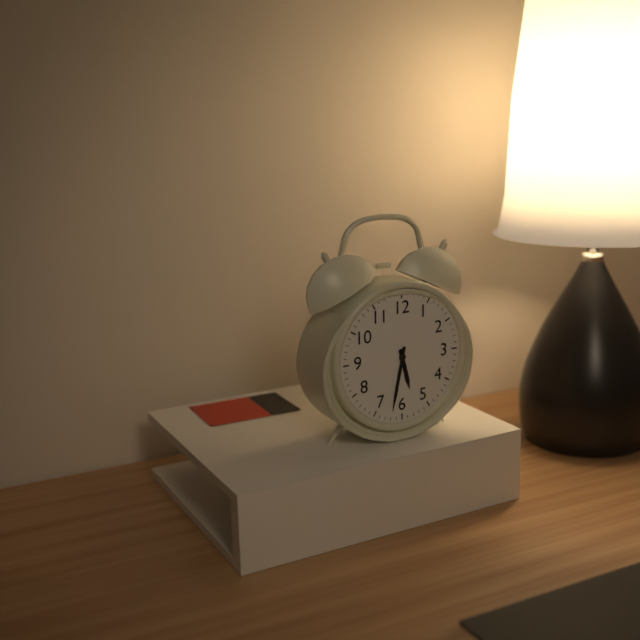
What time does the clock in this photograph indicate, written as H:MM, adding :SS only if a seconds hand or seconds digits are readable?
5:32
